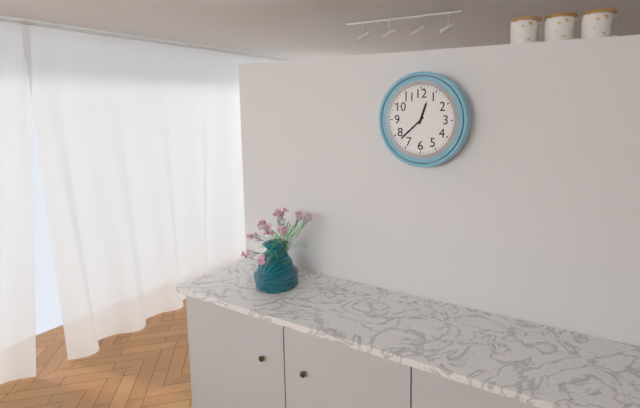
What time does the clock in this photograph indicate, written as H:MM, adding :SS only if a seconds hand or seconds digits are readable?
12:38
